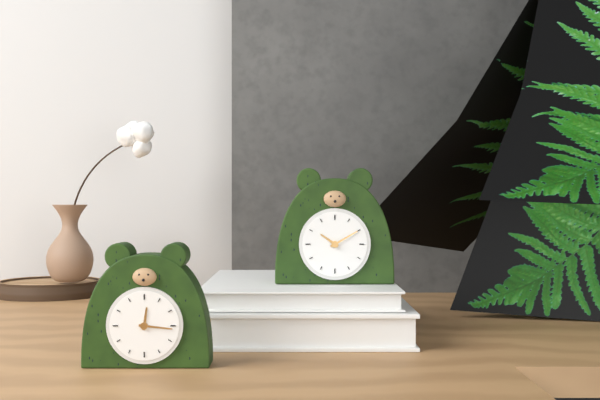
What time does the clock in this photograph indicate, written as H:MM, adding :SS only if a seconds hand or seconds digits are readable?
12:16
